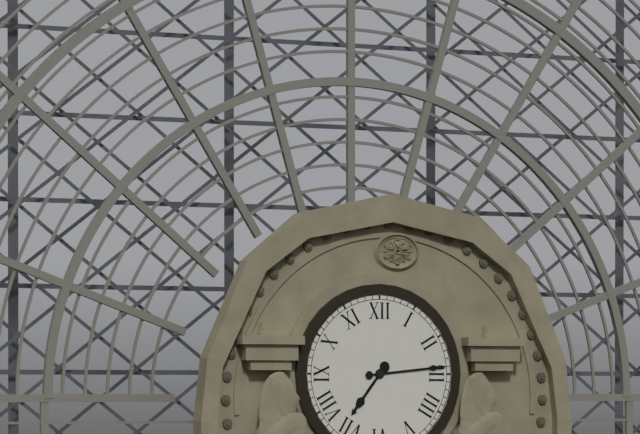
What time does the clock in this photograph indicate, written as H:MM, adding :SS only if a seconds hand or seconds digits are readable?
7:14
